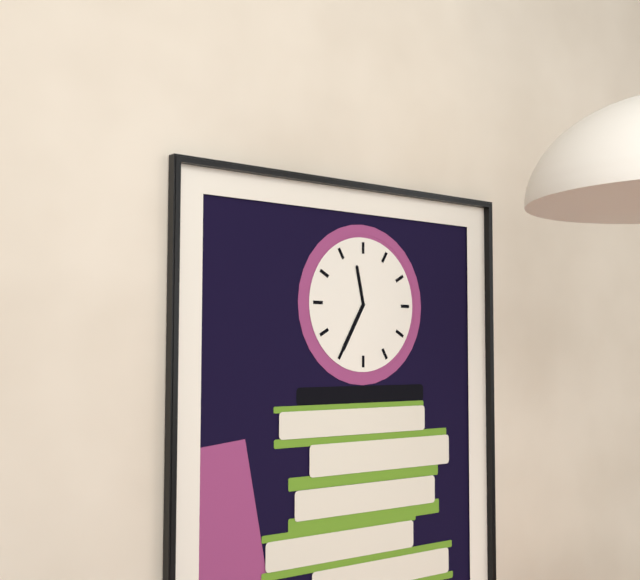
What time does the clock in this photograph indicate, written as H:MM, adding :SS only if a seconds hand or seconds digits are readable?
11:35
